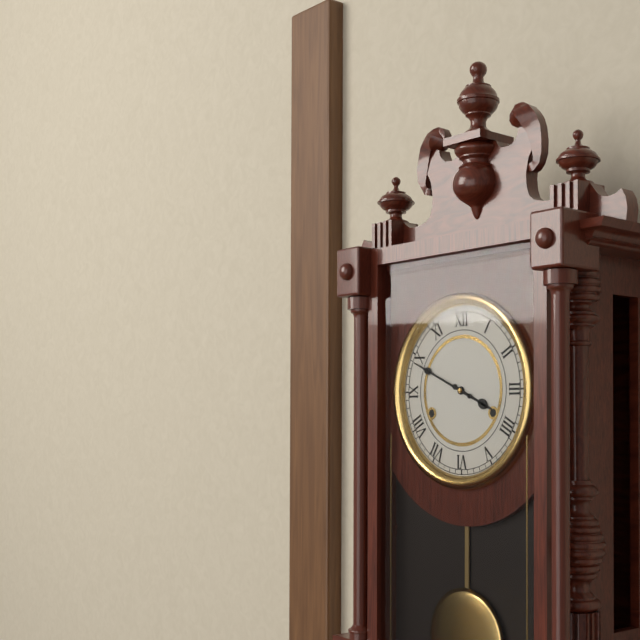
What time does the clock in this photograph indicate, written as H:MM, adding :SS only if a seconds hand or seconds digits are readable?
3:49
